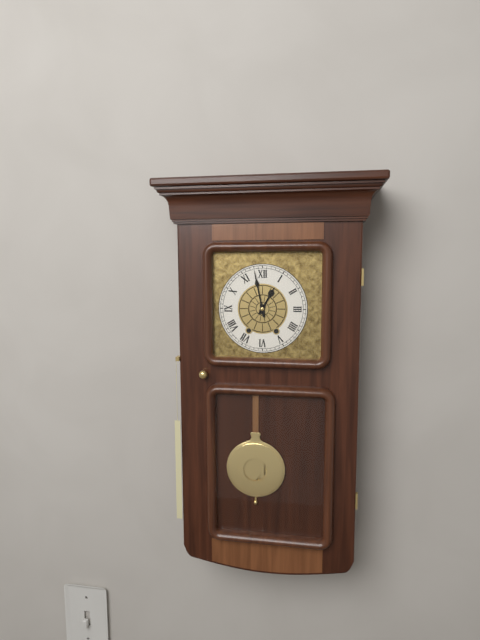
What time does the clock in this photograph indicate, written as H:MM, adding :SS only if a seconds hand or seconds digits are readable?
12:58
